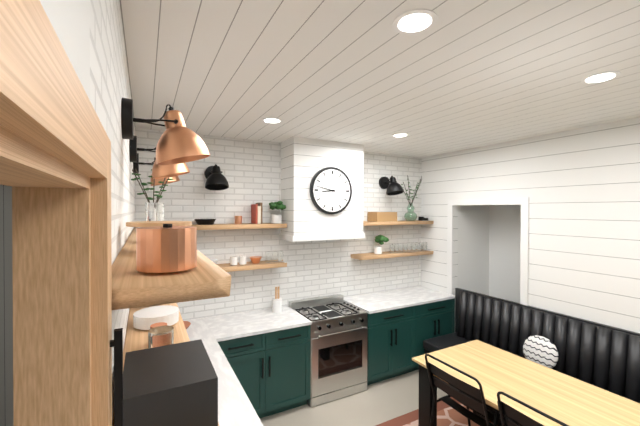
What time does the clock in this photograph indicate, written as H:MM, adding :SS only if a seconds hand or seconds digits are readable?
8:47
